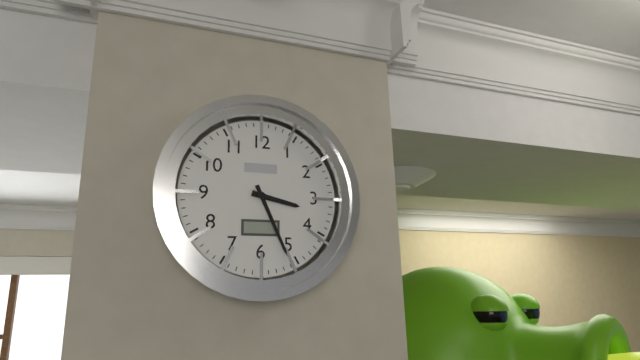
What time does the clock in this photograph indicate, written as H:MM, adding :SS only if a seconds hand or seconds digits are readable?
3:26
